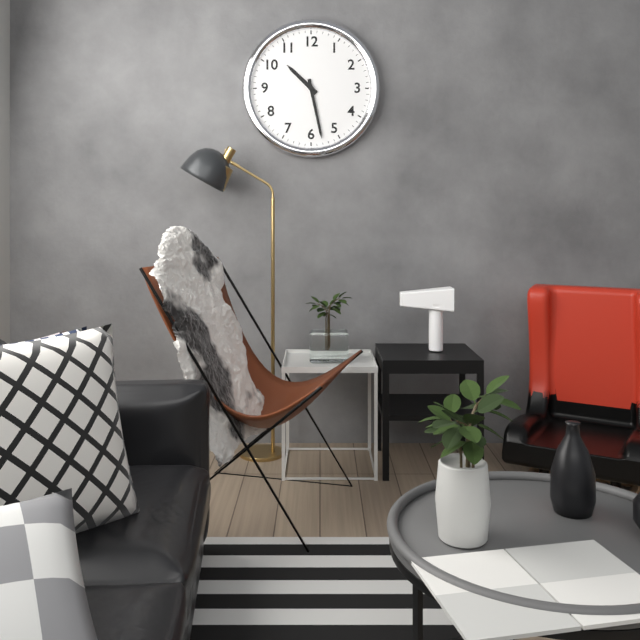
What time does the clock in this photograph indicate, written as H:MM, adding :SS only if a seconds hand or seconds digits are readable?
10:28
